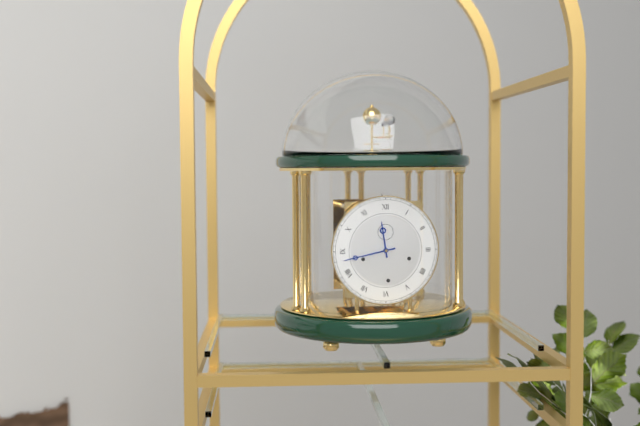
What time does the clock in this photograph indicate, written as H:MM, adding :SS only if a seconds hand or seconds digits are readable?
11:43
